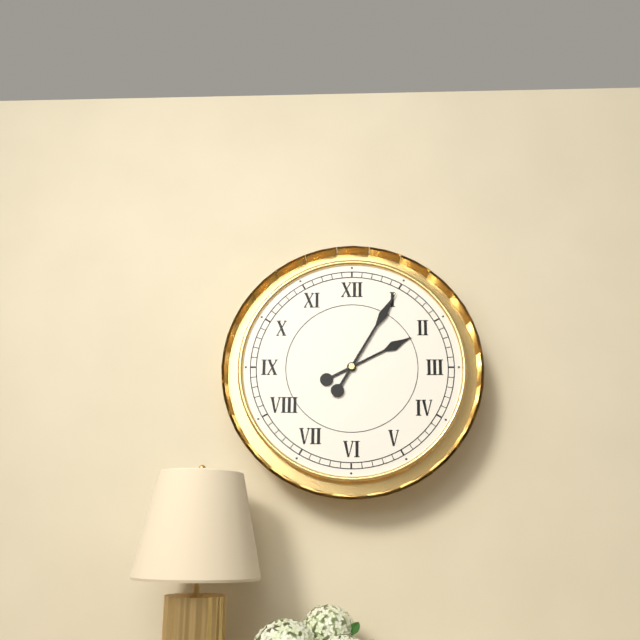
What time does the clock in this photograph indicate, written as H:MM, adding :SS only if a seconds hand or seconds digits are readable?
2:05
